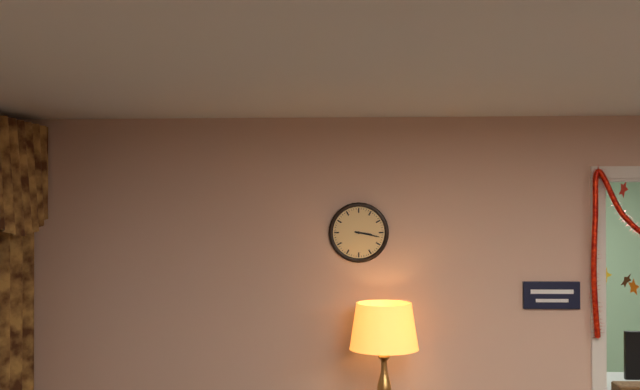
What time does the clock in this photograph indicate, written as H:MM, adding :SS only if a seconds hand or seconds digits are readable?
3:17
